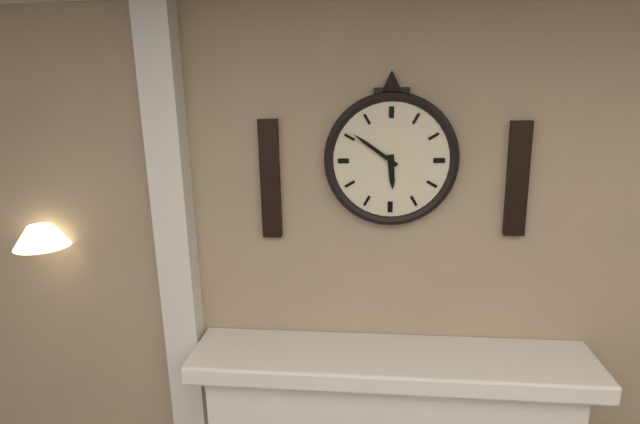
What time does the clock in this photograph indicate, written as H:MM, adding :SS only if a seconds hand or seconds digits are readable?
5:51
